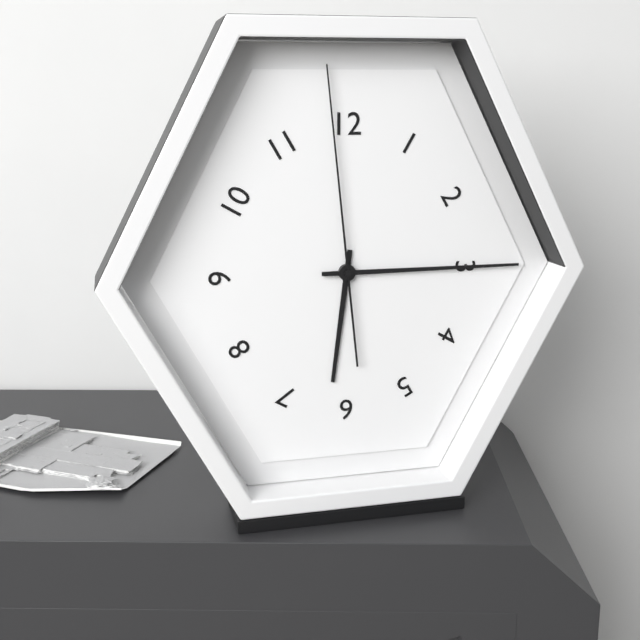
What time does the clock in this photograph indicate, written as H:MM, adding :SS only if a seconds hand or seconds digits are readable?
6:15:59
